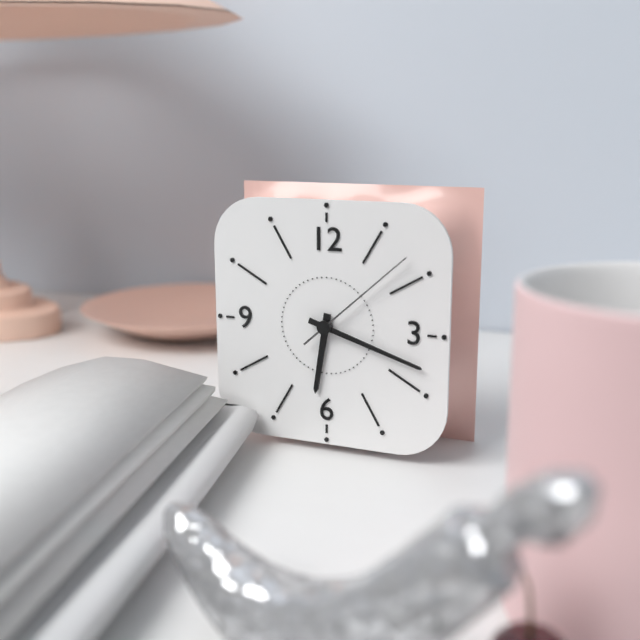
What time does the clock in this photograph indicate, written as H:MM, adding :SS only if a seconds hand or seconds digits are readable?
6:18:08
